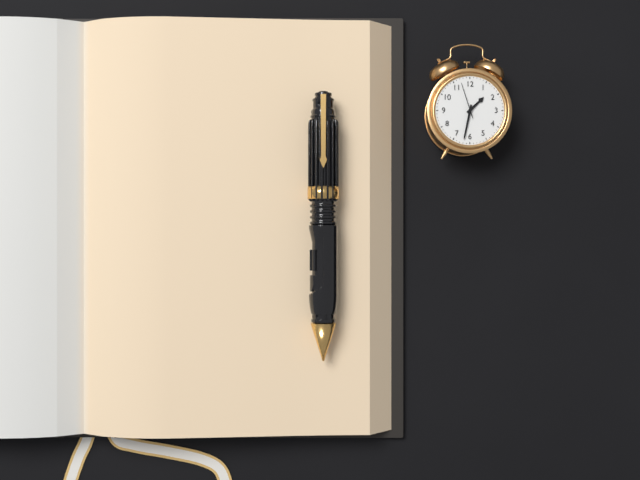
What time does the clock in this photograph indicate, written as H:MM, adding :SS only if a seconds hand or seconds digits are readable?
1:32
